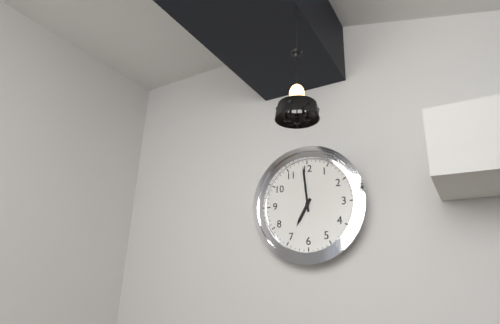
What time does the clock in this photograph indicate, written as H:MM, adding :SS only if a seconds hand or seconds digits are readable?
6:59
